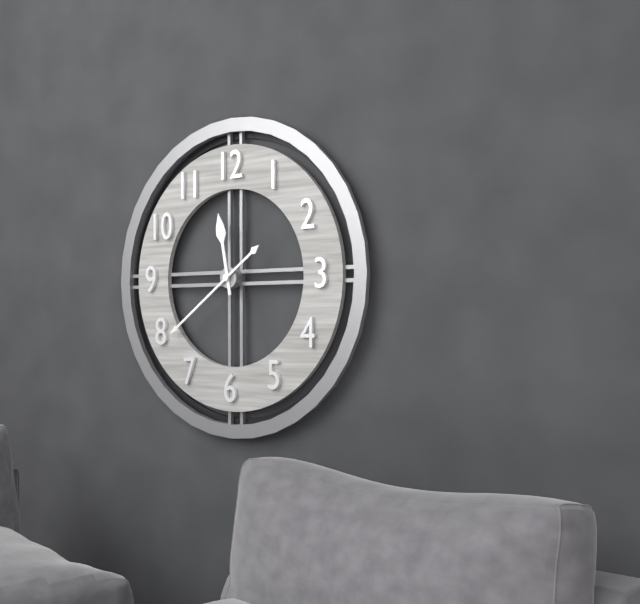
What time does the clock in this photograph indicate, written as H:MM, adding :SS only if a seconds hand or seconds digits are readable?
11:39
